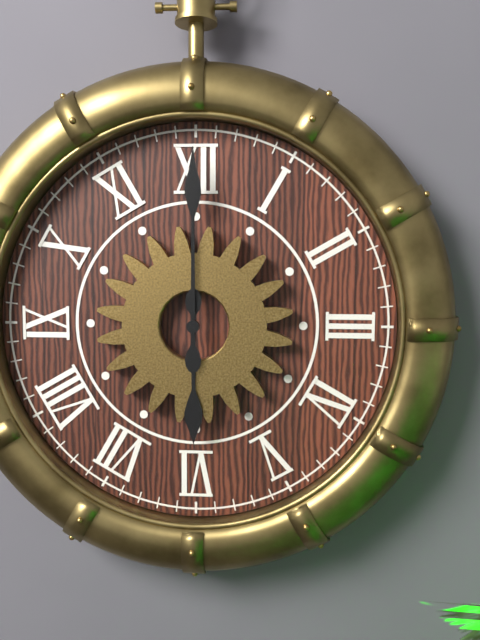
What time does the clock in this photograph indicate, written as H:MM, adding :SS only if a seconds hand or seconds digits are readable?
6:00
